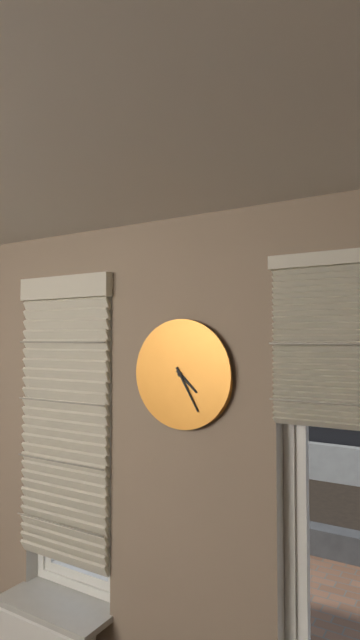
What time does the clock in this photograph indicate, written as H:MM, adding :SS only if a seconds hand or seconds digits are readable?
4:25
